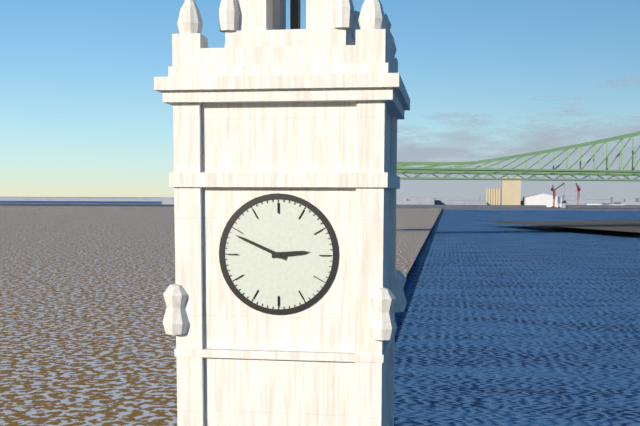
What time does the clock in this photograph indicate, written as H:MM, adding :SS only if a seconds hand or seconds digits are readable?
2:49
